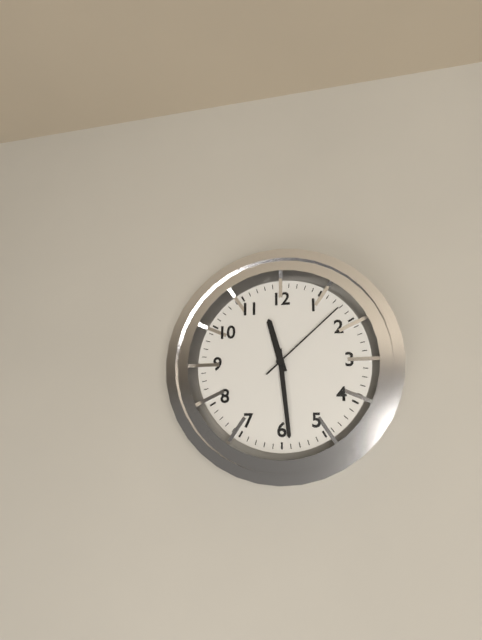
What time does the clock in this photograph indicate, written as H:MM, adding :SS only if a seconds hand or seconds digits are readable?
11:29:08
